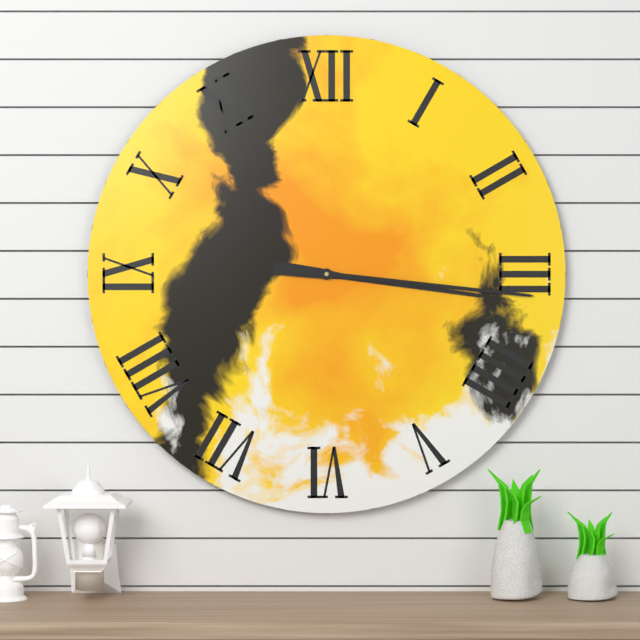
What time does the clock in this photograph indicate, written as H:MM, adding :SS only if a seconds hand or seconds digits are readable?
3:16
